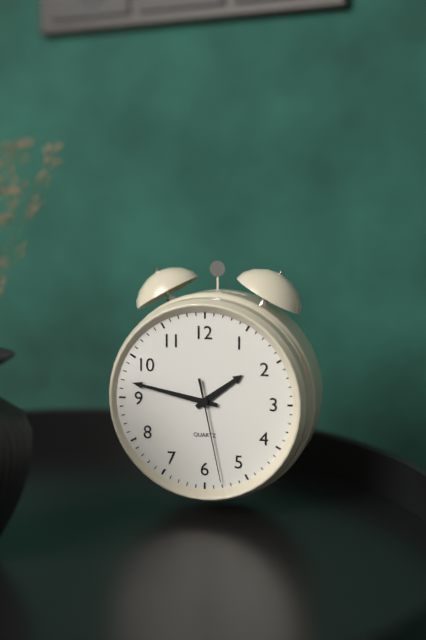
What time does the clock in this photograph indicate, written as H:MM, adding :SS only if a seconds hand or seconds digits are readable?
1:47:28
